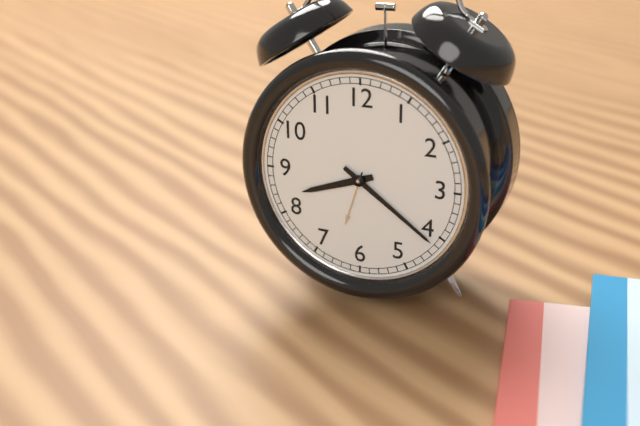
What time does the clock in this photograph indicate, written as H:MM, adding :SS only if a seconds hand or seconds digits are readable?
8:21
